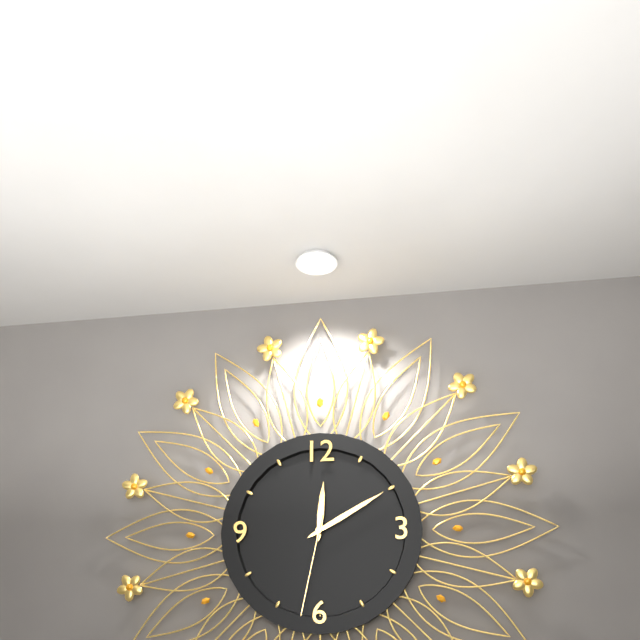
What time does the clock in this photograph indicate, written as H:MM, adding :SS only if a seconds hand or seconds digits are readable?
12:10:32
